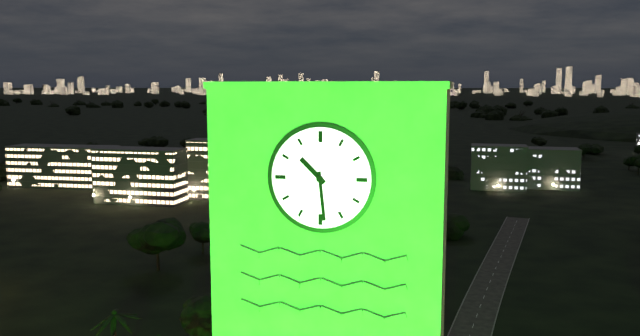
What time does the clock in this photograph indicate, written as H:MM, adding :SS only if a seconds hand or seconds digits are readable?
10:29
